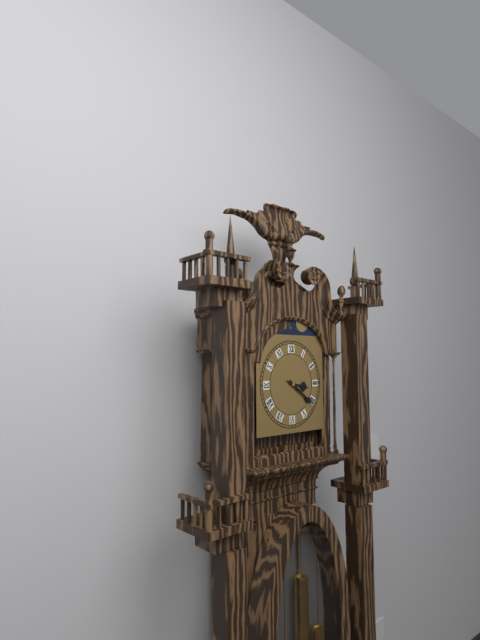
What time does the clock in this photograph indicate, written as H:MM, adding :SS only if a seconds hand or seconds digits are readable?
3:21
